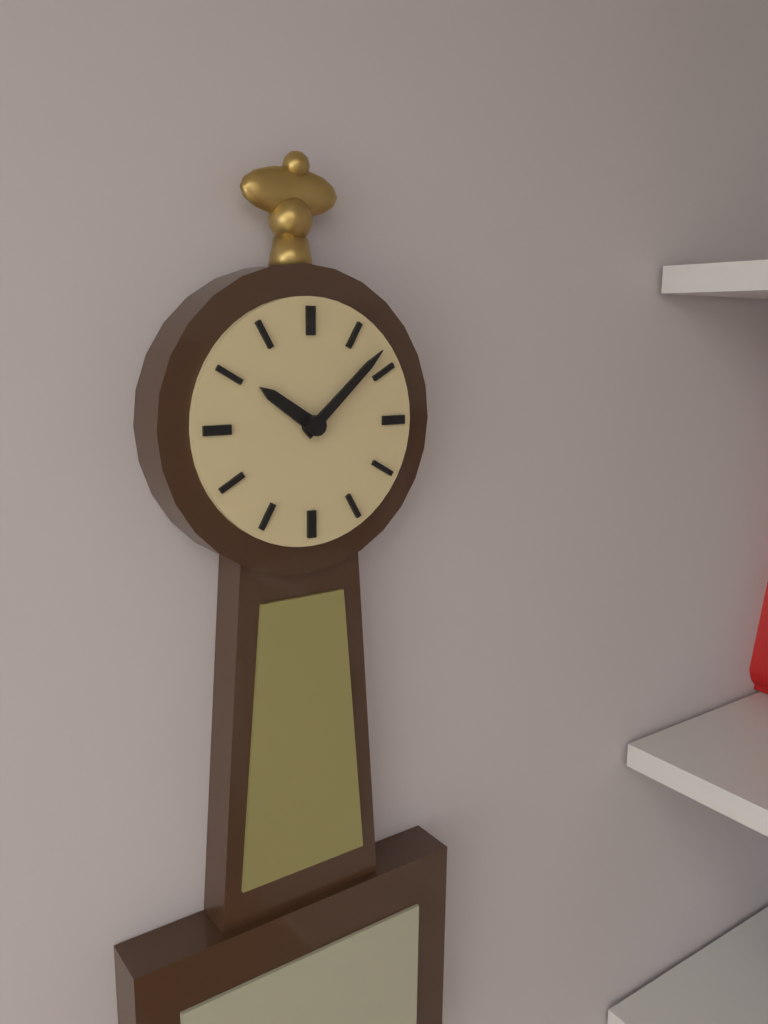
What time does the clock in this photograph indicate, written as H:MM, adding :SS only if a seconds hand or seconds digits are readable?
10:08
